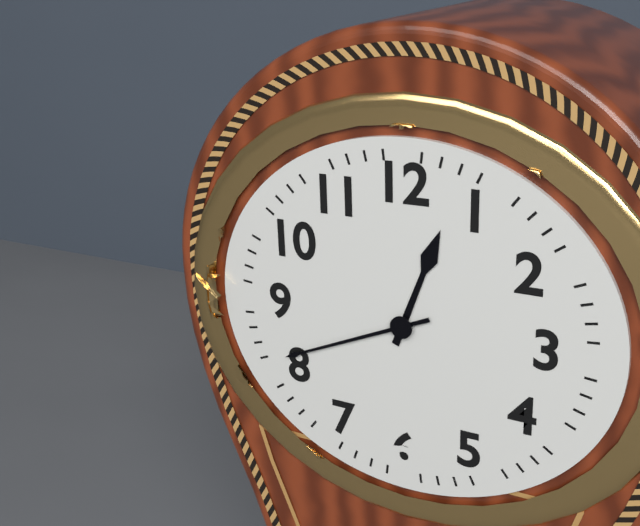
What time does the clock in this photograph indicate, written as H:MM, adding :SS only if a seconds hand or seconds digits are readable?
12:41
